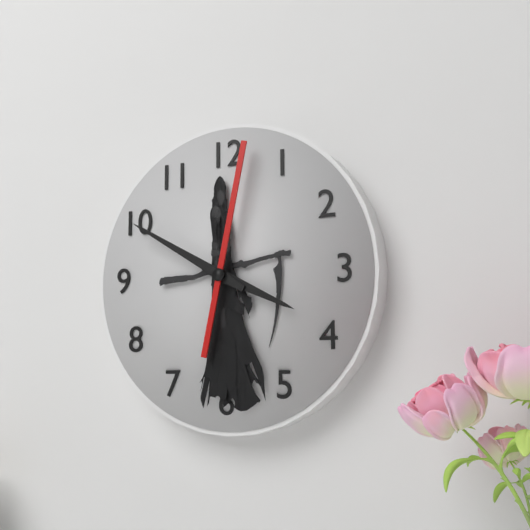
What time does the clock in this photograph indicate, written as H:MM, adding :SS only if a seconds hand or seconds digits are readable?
3:50:02
